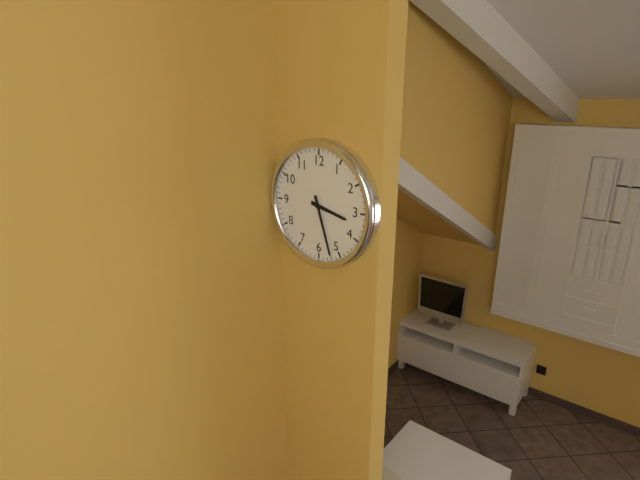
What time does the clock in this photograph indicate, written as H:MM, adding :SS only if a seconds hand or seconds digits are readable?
3:27
